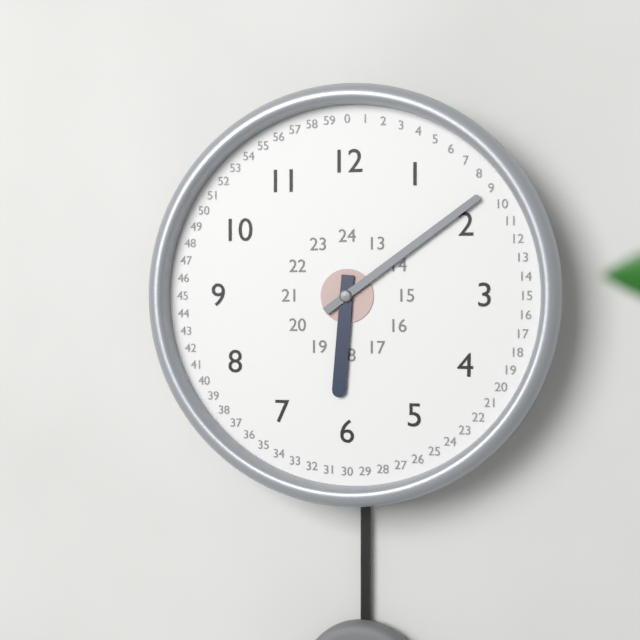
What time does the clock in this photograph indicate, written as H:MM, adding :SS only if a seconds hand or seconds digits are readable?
6:09
